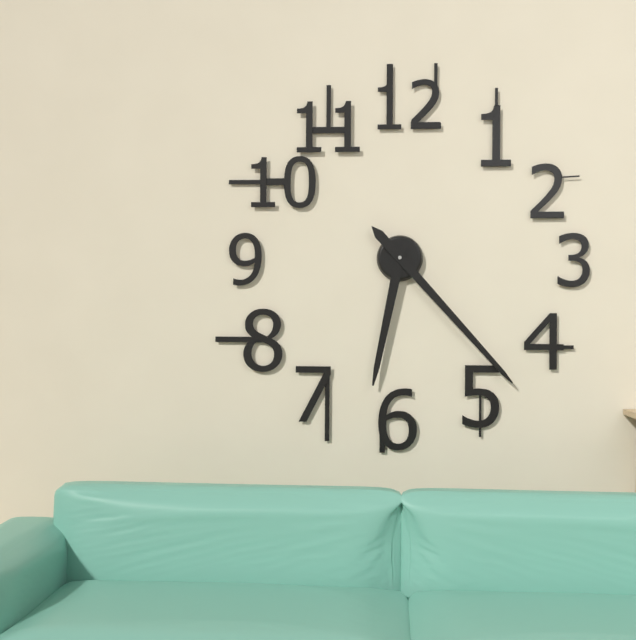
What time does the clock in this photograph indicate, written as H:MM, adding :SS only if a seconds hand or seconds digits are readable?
6:23
